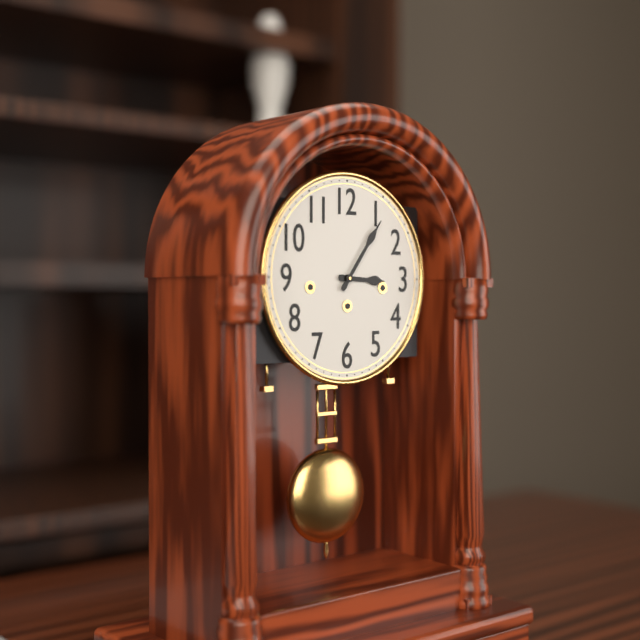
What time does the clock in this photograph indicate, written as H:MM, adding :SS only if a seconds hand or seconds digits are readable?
3:06
